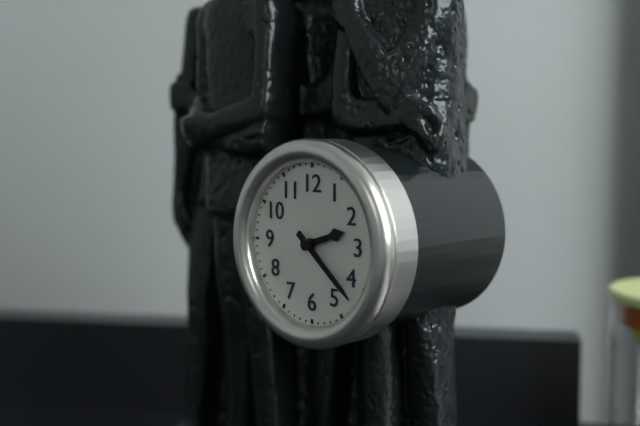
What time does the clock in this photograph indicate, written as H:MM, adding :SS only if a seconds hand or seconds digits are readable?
2:22
